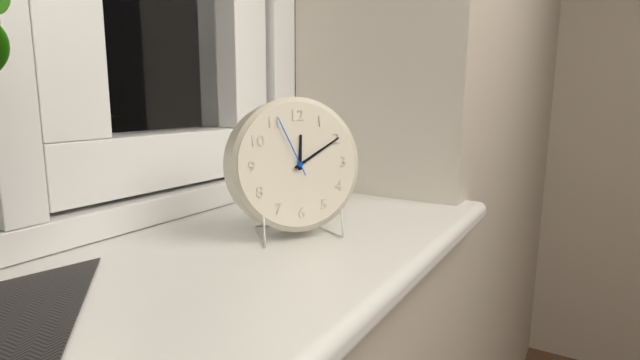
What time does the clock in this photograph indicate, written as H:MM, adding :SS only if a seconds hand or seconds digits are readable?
12:10:56
